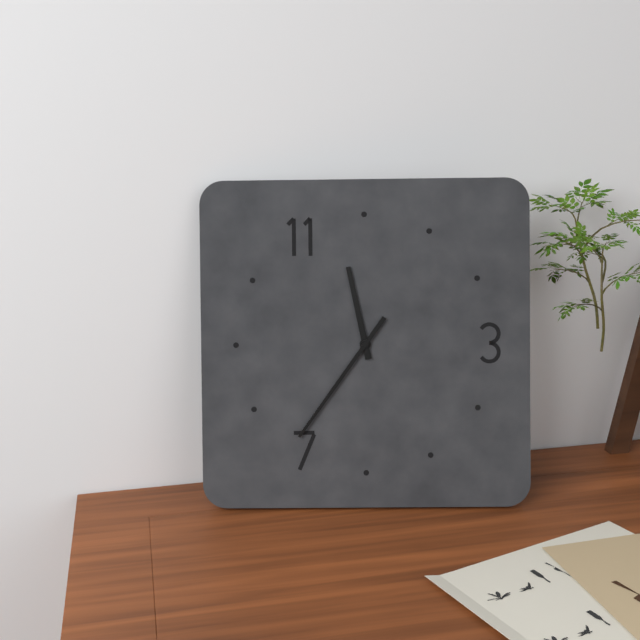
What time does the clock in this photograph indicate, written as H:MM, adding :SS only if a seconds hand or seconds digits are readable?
11:36
